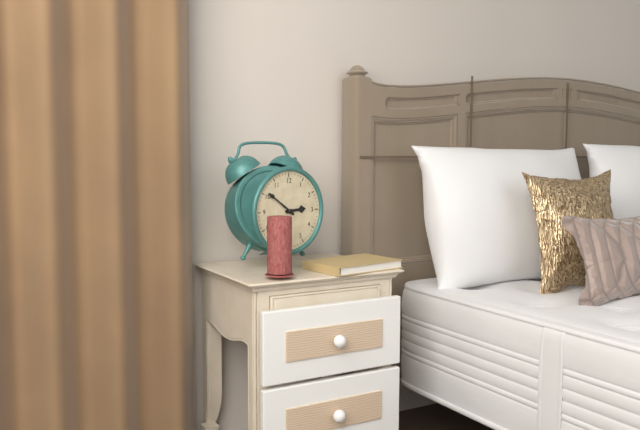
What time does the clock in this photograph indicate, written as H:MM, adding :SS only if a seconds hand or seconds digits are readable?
2:51
